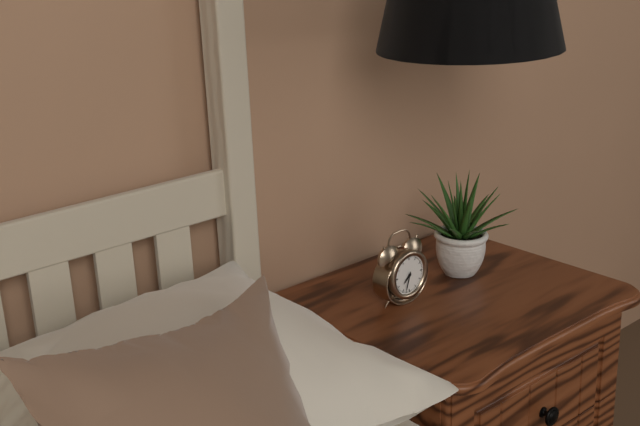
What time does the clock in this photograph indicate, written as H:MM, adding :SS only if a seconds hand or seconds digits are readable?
7:33
